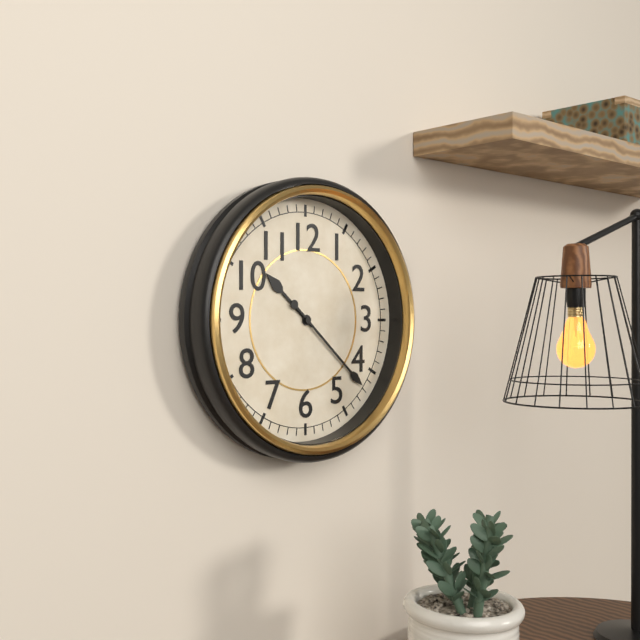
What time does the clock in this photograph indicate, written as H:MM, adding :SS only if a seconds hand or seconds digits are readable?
10:22
